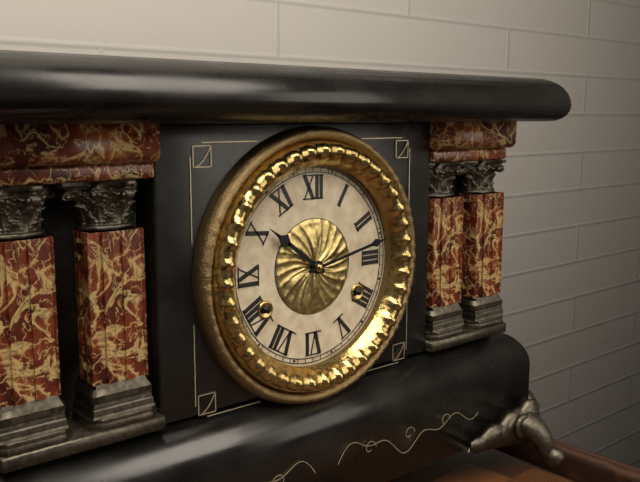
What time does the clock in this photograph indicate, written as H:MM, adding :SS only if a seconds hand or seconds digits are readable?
10:13
